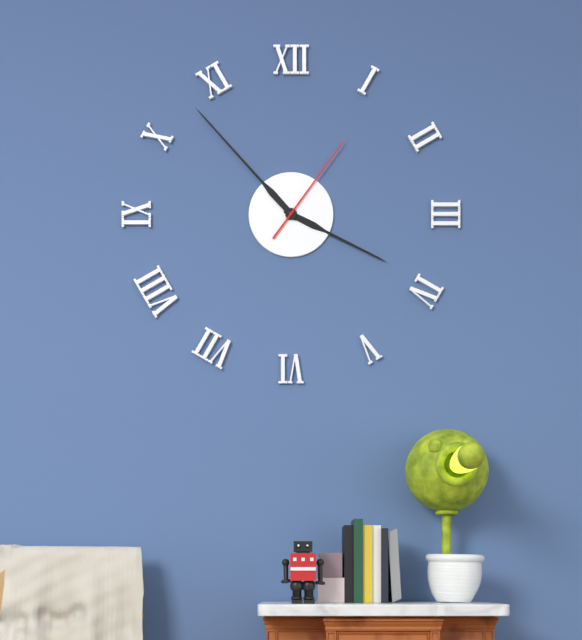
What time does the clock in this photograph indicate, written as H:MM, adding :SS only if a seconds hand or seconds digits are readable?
3:53:06
